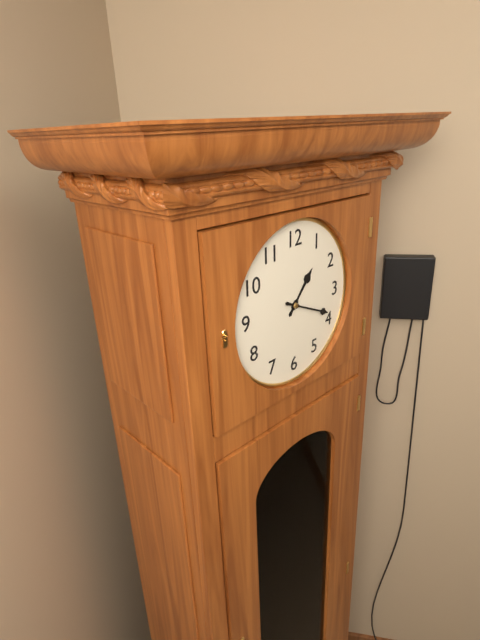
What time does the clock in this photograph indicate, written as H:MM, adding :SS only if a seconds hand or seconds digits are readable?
1:19
